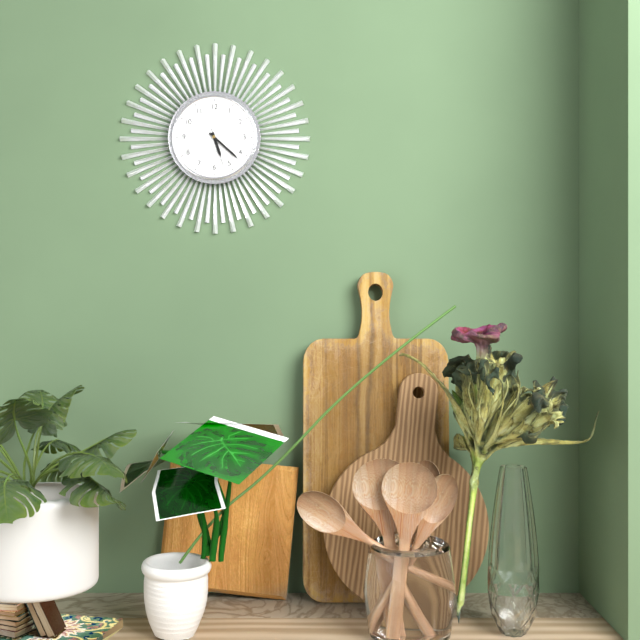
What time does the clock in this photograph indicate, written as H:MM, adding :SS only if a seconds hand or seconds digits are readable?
5:22
